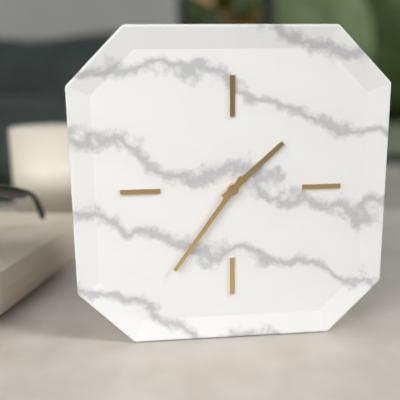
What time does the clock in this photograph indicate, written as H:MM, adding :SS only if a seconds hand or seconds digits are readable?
1:36
